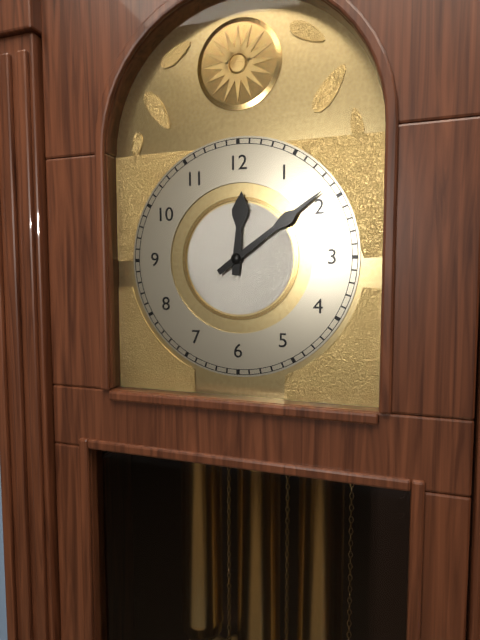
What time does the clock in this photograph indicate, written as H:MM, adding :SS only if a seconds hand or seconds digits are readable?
12:09
